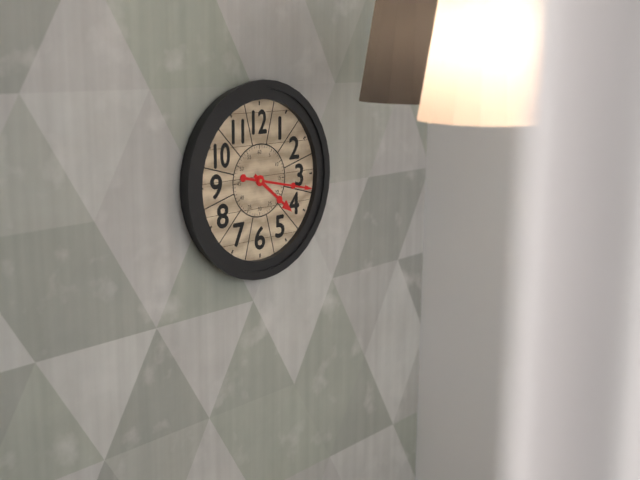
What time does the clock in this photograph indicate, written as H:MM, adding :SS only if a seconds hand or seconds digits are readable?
4:17
